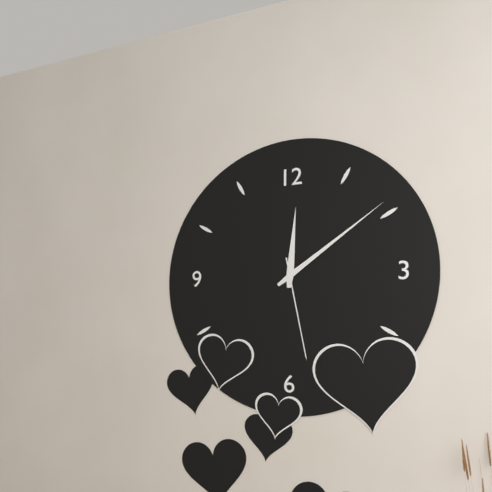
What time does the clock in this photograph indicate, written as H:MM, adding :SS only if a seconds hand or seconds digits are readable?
12:09:28
